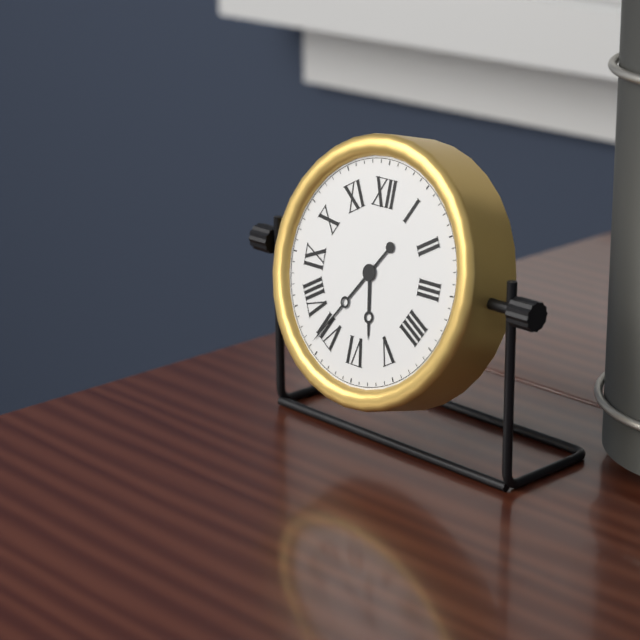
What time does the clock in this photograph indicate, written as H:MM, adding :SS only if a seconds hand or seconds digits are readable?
5:36
